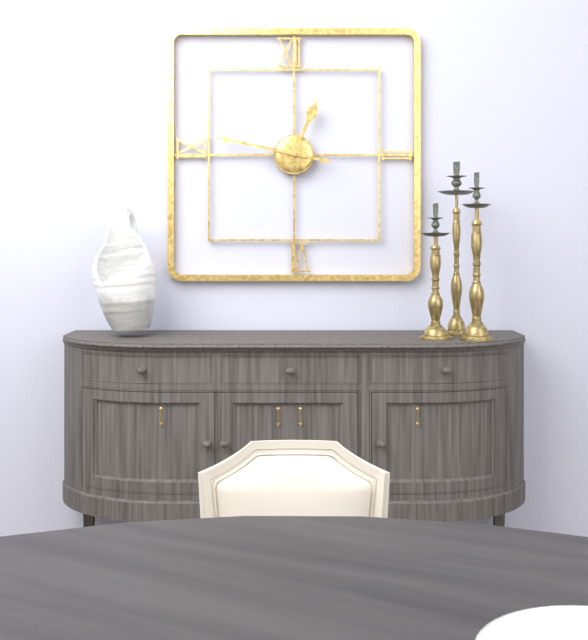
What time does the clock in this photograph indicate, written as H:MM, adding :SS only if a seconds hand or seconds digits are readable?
12:47
